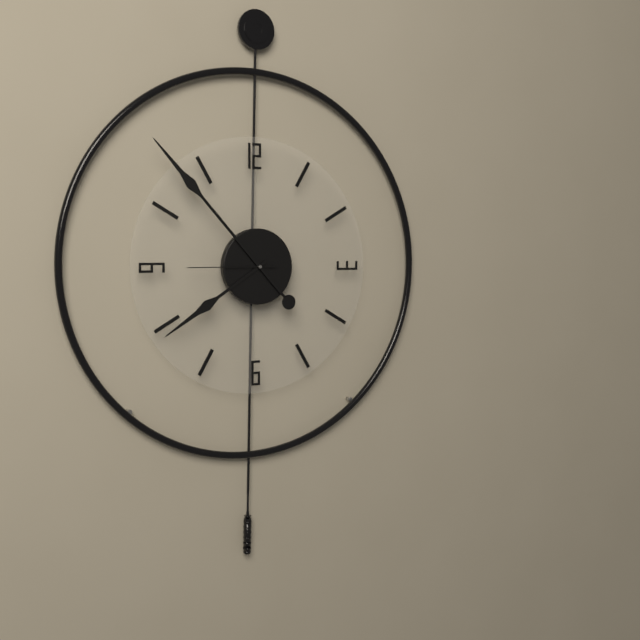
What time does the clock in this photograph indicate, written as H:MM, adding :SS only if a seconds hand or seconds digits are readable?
7:53:45
